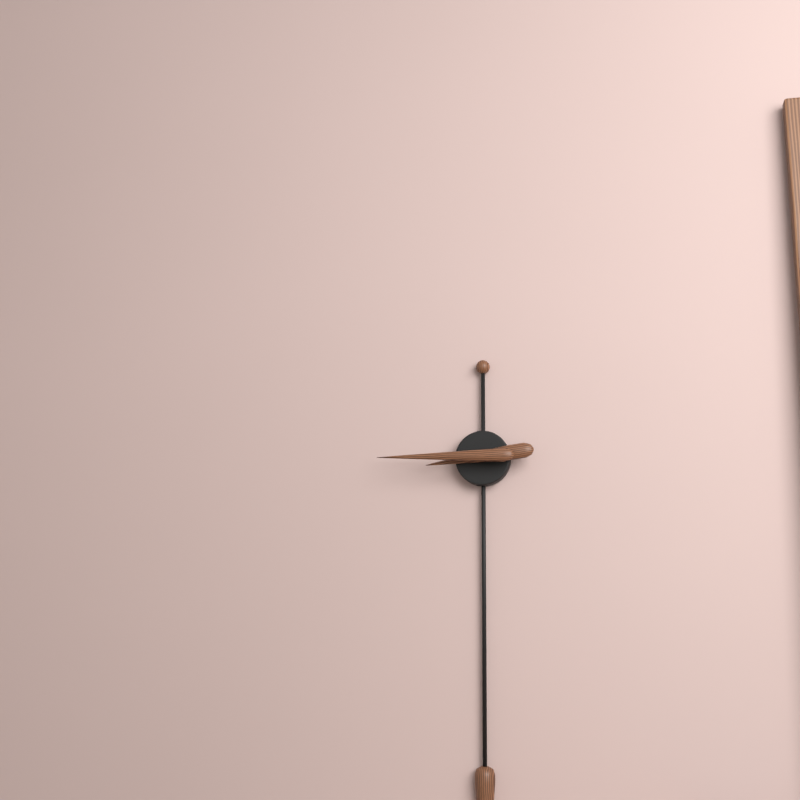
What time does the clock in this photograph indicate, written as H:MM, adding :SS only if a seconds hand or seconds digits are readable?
8:45
